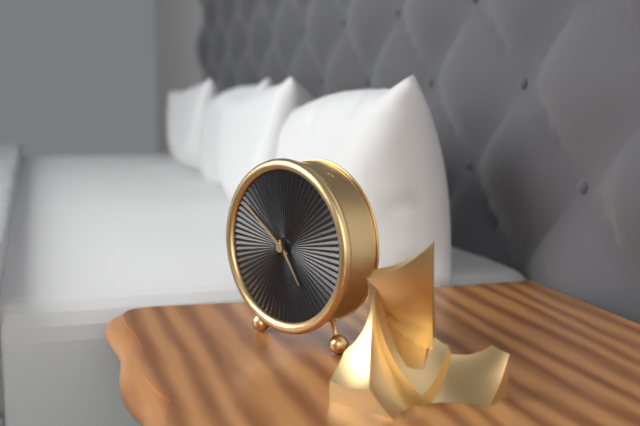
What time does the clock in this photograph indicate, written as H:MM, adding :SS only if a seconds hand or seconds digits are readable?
4:51
